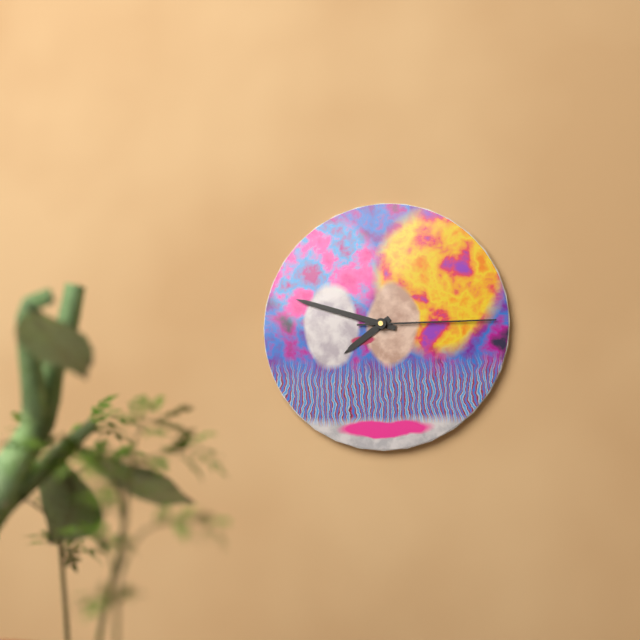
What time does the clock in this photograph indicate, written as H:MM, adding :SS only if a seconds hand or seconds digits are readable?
7:48:15
